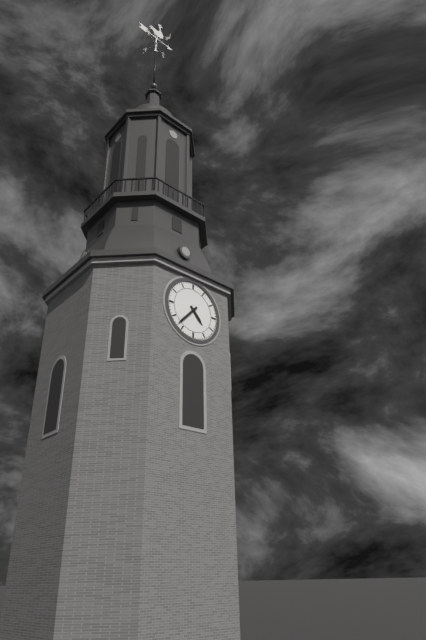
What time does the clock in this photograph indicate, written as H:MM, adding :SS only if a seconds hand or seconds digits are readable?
4:37
